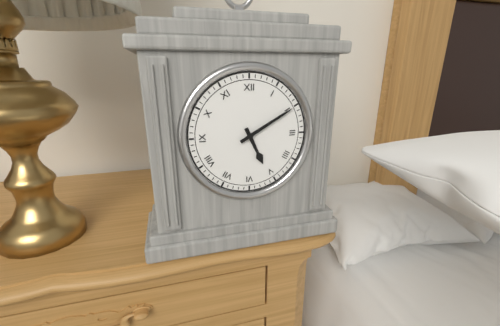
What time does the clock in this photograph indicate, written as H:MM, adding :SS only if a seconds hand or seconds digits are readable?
5:10
